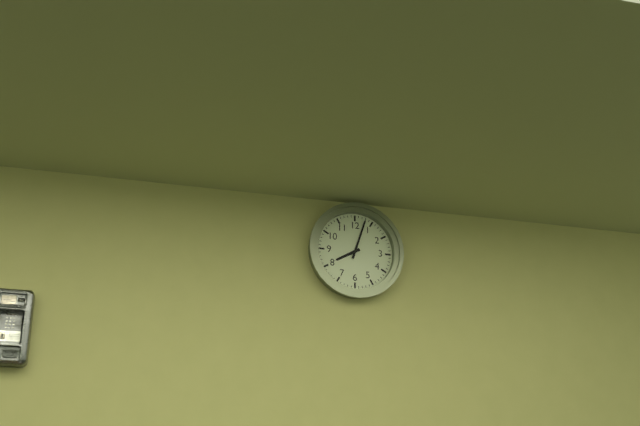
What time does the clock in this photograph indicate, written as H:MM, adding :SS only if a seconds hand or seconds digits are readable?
8:03
